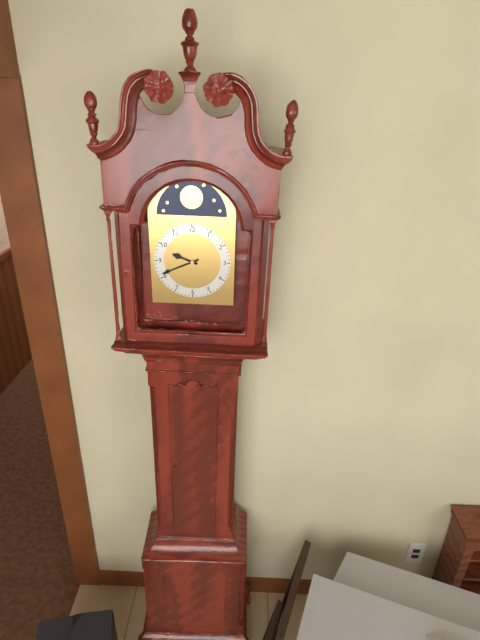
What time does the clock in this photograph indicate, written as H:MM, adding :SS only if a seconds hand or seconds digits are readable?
9:41
